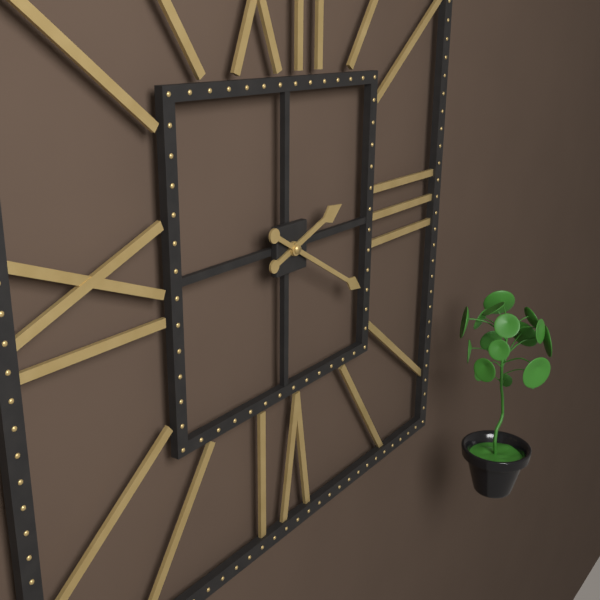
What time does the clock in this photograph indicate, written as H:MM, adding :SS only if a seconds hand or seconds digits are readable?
2:20
